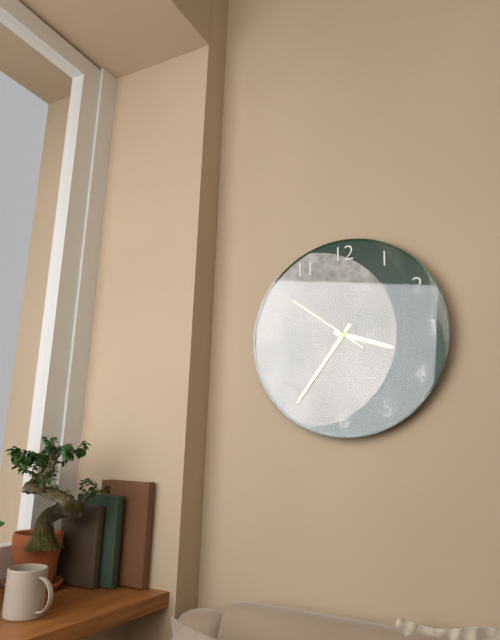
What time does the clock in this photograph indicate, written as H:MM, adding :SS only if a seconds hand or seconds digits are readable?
3:36:51
